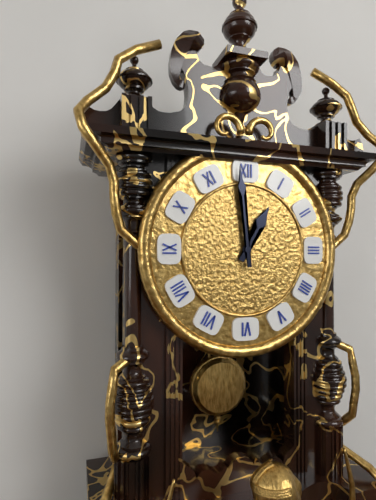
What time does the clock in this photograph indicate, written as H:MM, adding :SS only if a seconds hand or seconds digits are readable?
12:59
